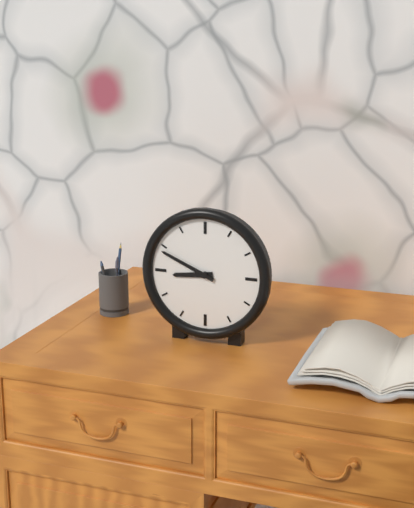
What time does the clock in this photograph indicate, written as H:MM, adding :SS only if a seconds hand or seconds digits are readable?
8:49
